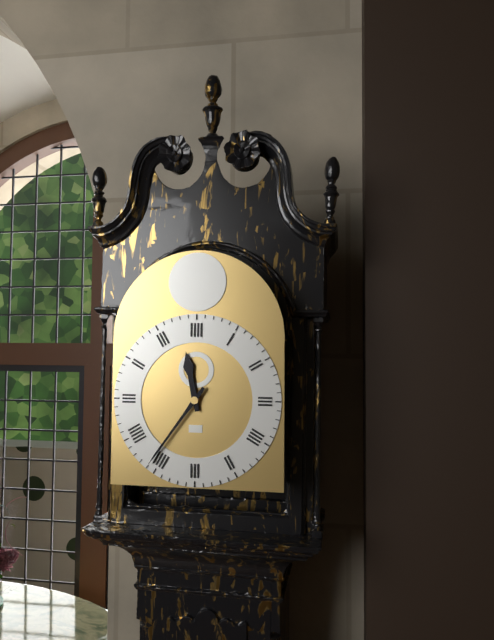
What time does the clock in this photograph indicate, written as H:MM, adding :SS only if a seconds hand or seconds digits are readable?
11:36
